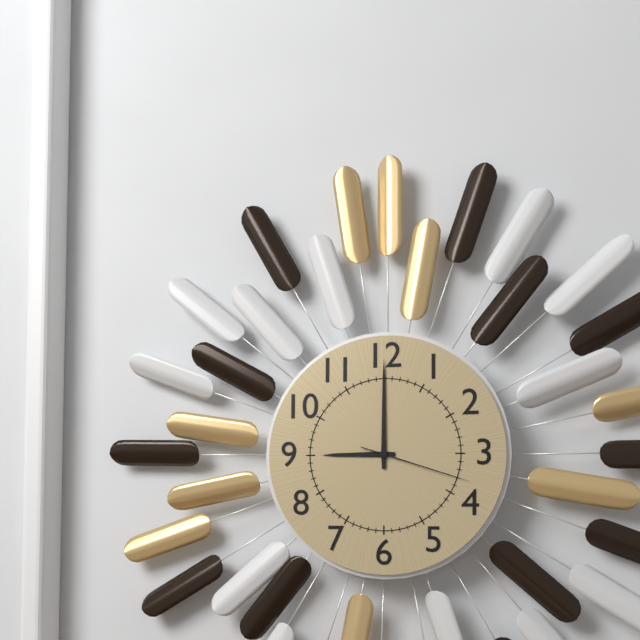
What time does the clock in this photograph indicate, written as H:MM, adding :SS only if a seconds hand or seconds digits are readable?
9:00:18
